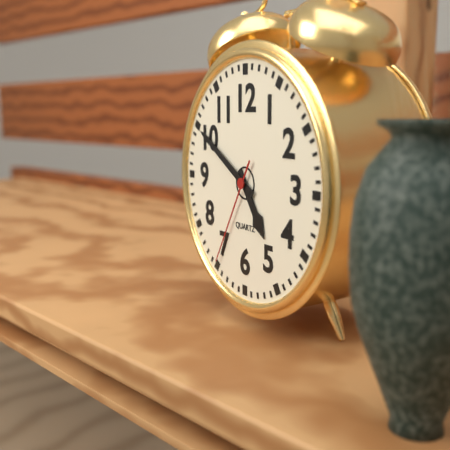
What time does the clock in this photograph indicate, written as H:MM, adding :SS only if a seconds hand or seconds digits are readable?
4:50:35
